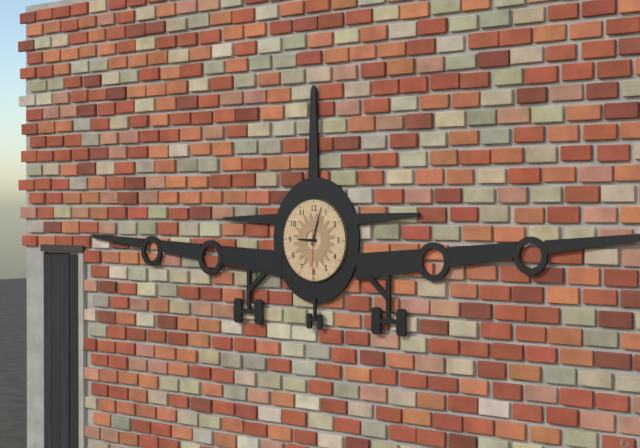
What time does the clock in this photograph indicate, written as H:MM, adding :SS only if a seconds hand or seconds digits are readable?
9:03:30
